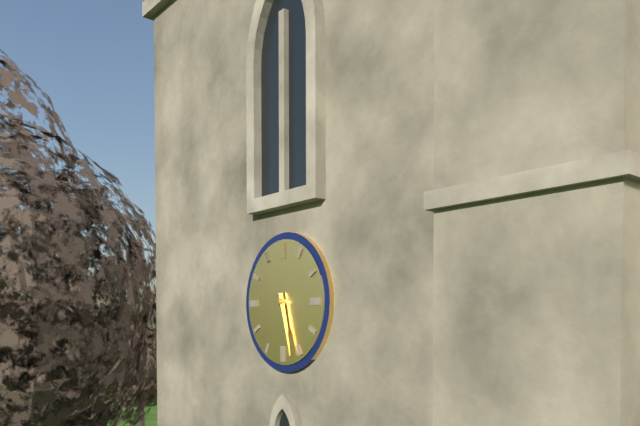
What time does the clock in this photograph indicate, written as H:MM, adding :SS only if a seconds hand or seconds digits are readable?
5:27
